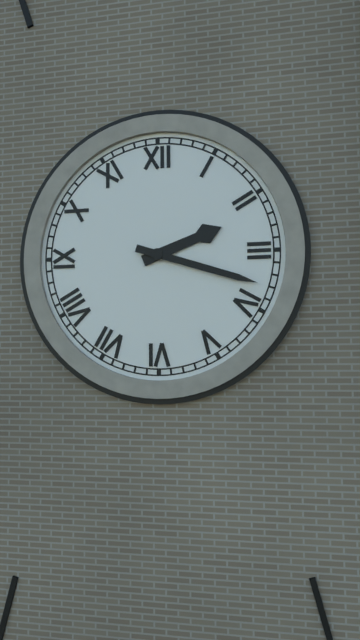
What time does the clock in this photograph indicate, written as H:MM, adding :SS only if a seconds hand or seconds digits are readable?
2:18
